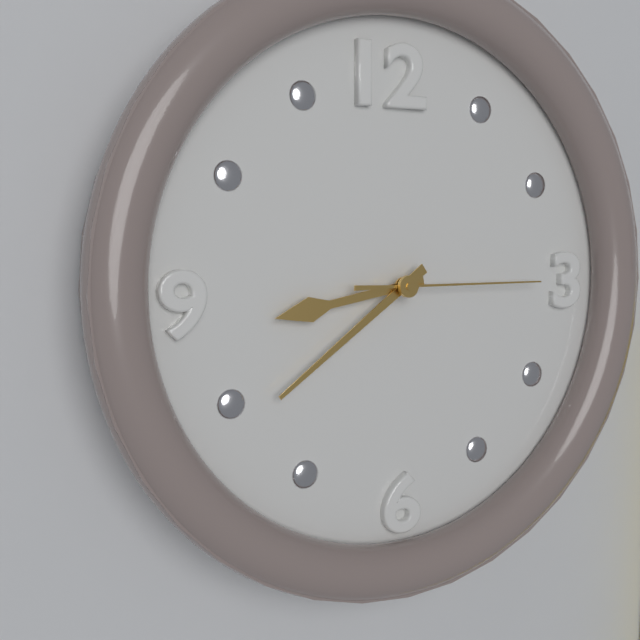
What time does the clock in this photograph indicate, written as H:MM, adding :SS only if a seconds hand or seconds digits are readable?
8:39:15
